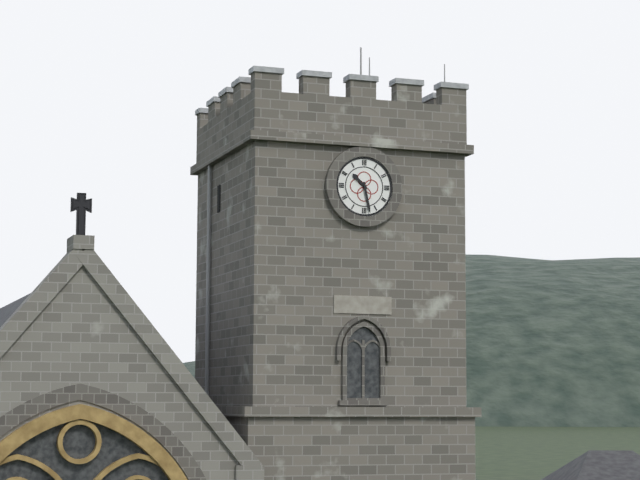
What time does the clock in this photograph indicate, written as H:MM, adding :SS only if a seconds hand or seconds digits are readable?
10:28
